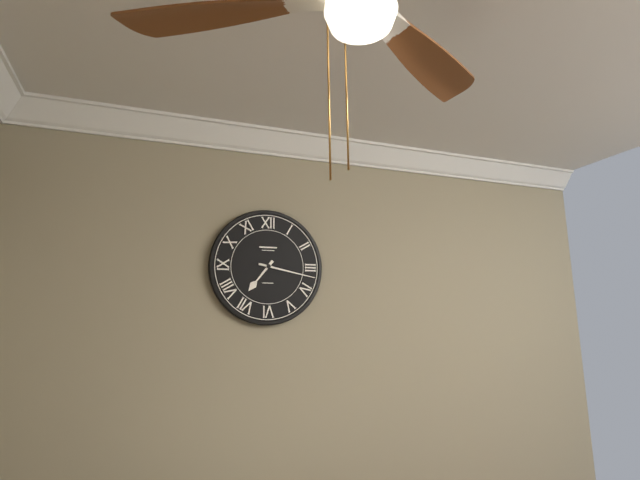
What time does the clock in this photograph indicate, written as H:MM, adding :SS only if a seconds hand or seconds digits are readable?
7:17
